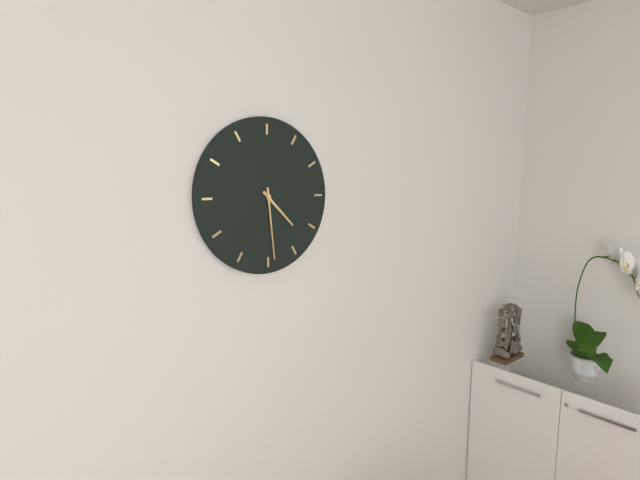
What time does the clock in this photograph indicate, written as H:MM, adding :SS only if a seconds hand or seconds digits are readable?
4:29
